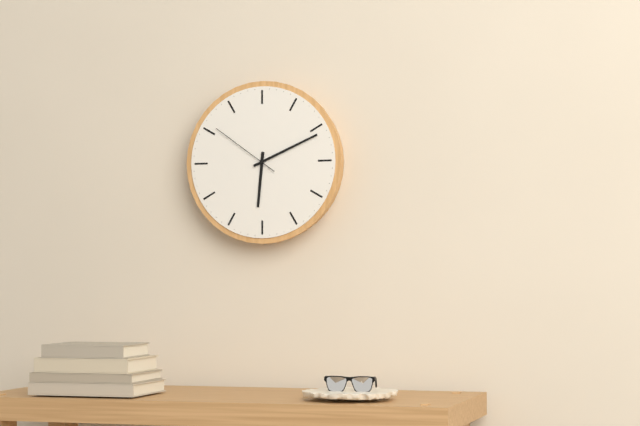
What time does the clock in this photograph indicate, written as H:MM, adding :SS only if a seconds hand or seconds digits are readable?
6:11:51
